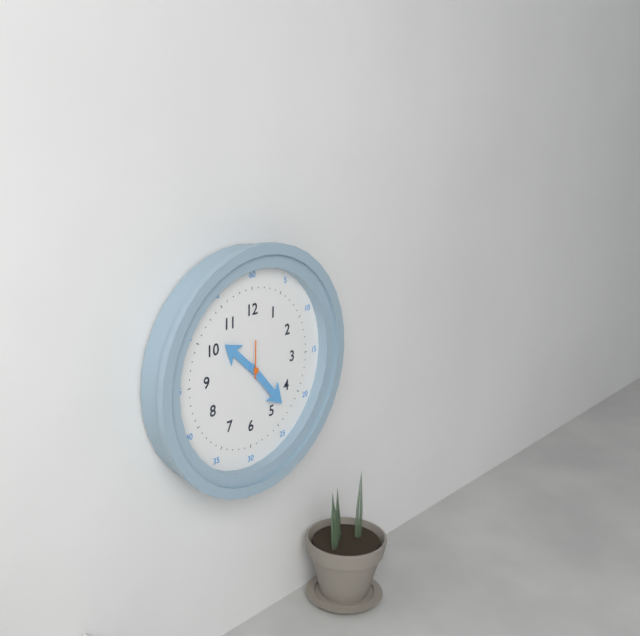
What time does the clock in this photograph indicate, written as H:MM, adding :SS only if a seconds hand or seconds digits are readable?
10:23
